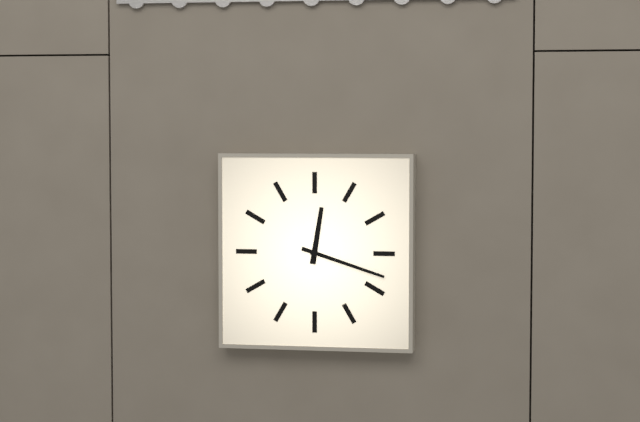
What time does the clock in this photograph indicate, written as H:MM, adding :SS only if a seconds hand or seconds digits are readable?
12:18
